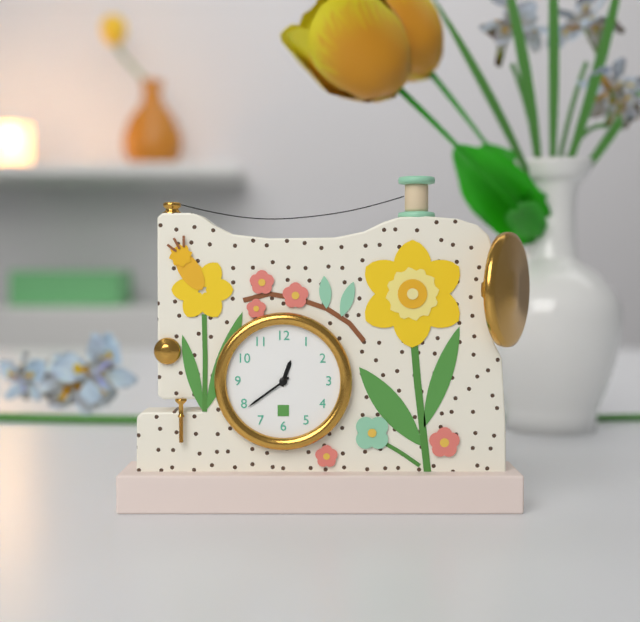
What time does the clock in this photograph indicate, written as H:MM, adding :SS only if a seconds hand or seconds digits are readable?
12:39
